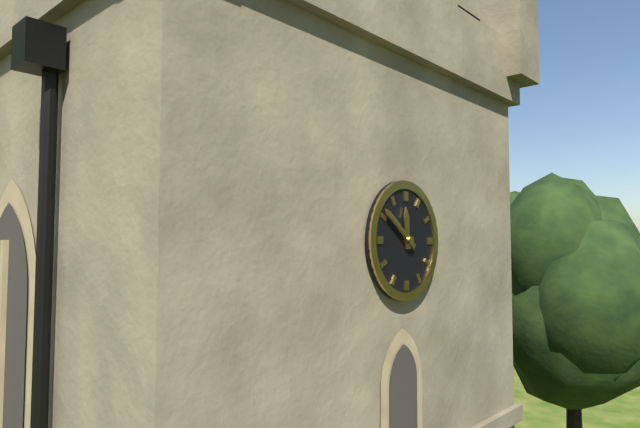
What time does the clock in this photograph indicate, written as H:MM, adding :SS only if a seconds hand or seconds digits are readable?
11:51
